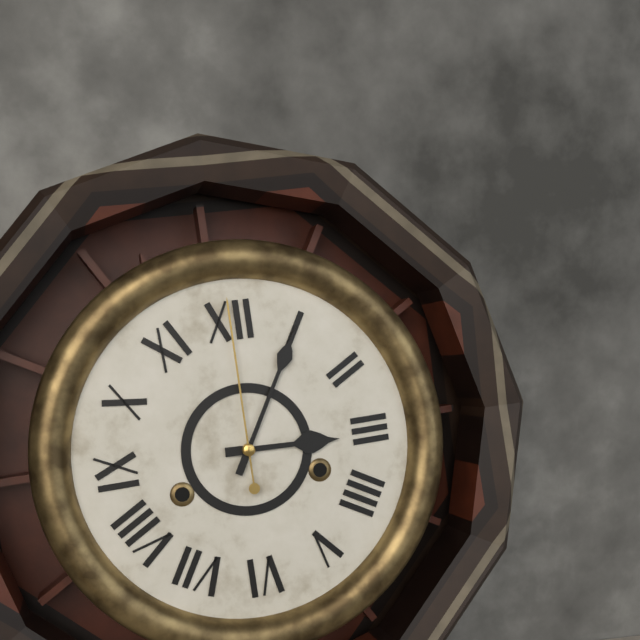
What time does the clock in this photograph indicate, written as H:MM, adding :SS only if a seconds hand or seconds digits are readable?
3:05:00
